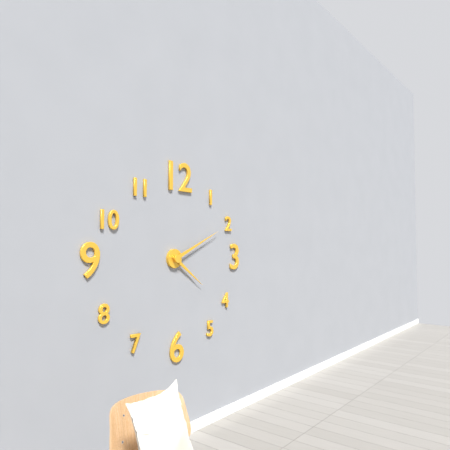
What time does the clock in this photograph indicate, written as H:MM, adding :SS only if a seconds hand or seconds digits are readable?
4:11
